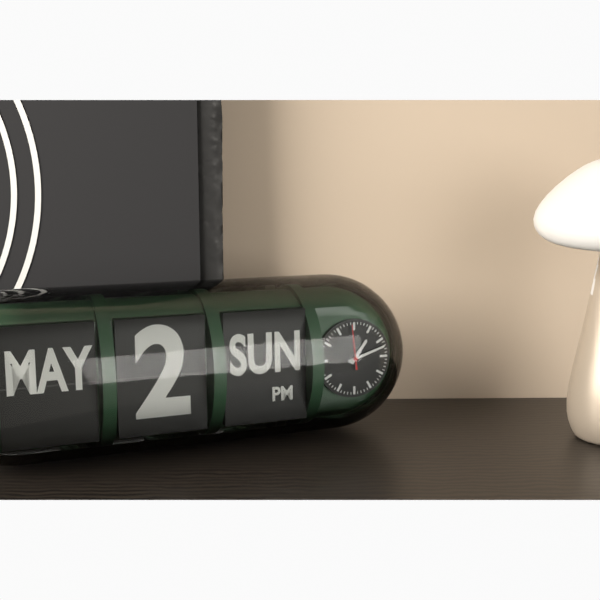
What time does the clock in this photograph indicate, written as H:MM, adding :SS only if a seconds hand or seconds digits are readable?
1:12
